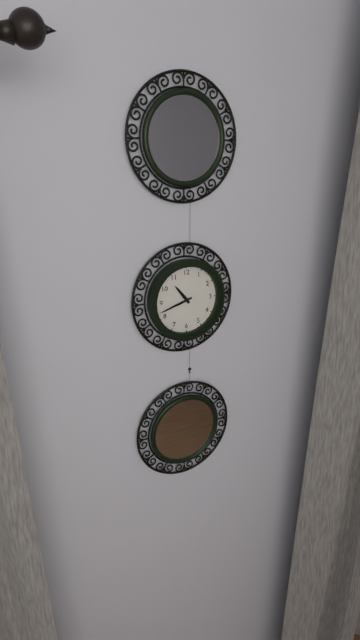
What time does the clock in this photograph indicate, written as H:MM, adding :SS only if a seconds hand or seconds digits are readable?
10:42
